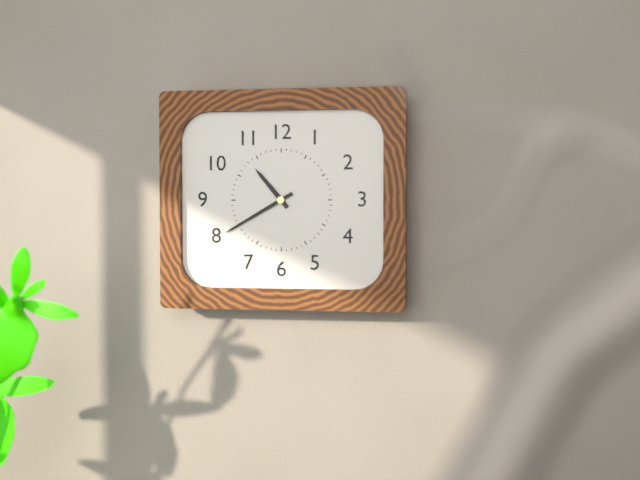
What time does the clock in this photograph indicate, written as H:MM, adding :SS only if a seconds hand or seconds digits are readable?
10:40
